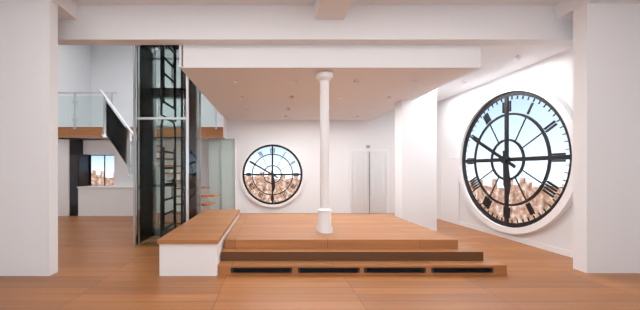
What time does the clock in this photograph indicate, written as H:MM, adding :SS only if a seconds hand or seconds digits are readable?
5:50
